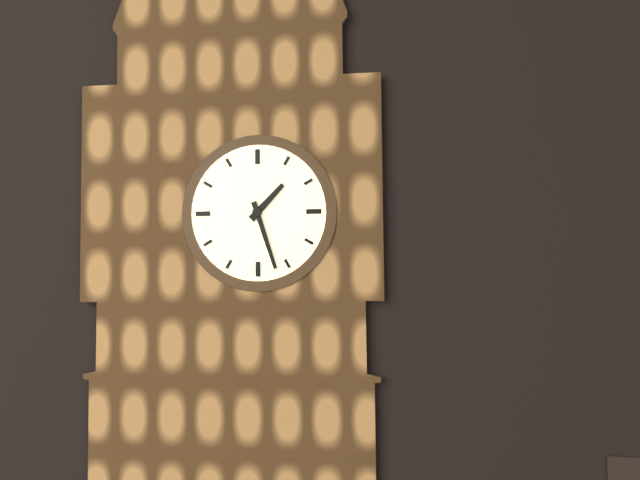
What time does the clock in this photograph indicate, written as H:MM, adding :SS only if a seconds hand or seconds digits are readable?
1:27
